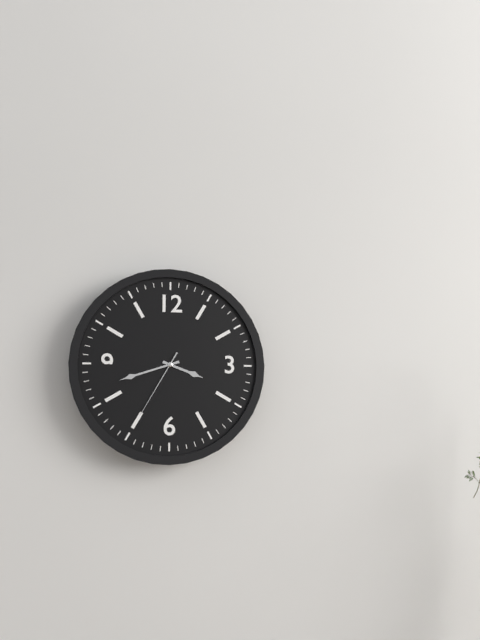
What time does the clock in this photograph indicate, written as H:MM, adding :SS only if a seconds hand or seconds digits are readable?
3:42:35
